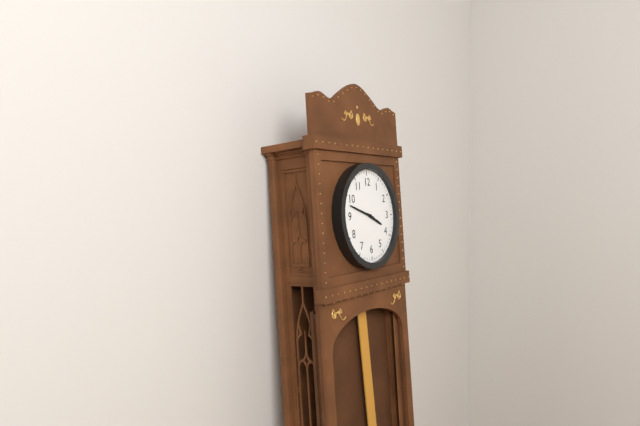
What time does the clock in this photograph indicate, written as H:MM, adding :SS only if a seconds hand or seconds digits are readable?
3:48
